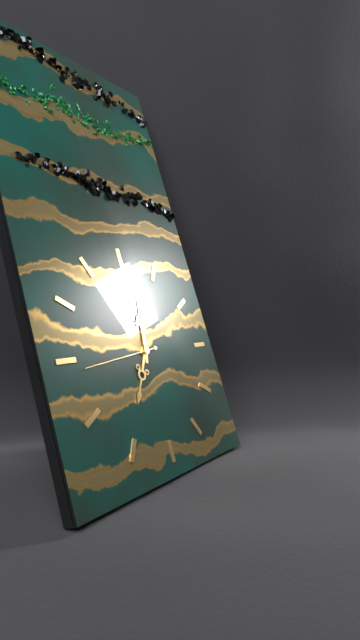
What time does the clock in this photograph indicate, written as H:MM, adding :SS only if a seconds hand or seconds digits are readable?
7:02:44
